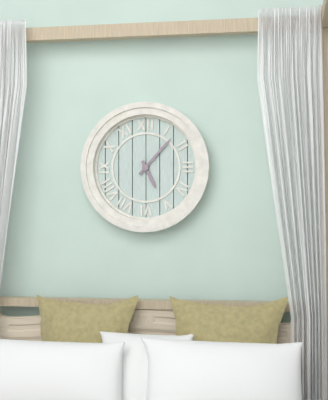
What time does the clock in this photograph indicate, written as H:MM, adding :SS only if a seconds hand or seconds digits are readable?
5:07
